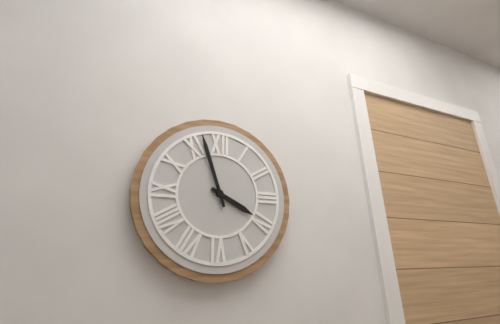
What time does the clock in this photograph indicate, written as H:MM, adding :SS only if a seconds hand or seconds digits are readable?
3:57
